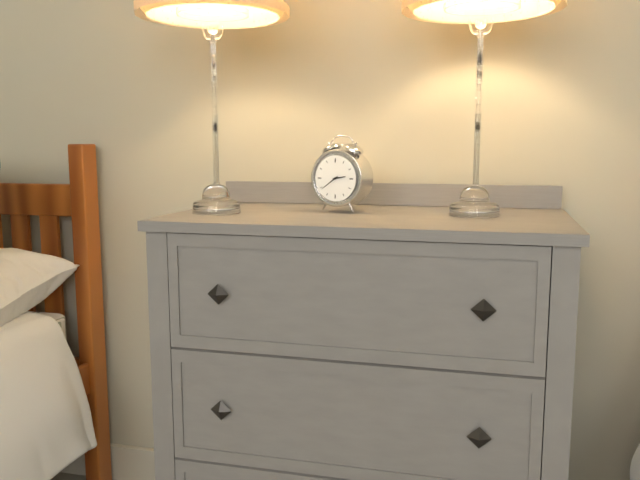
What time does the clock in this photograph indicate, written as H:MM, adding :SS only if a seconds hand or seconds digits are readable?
2:39
